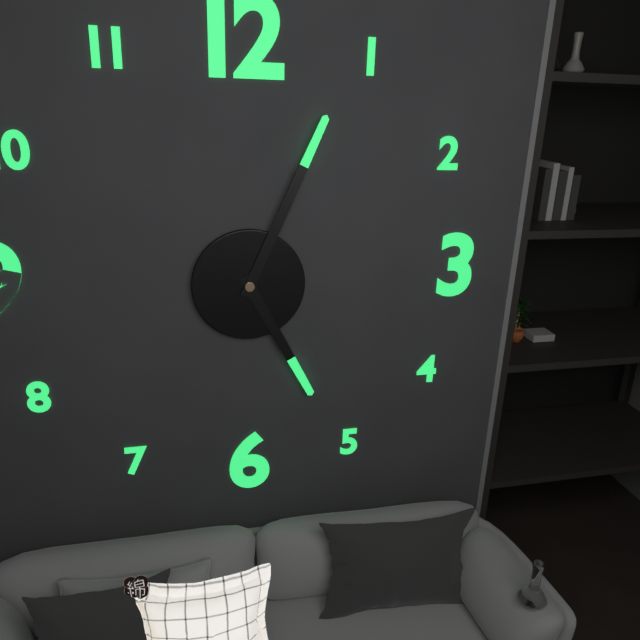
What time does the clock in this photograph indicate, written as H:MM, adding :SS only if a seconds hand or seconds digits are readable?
5:04
